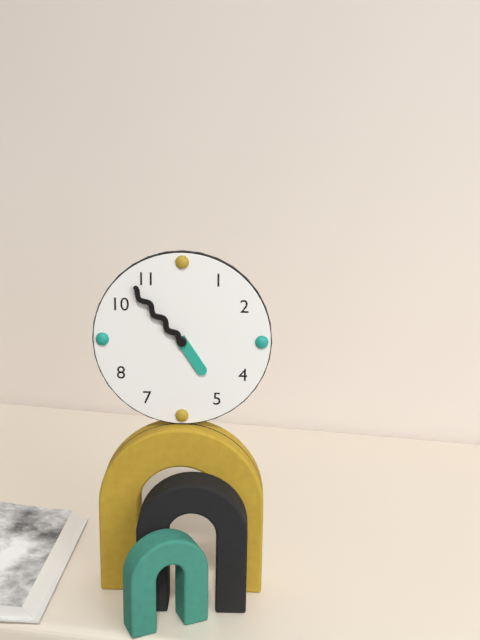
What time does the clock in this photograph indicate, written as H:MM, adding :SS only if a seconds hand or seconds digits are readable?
4:53
